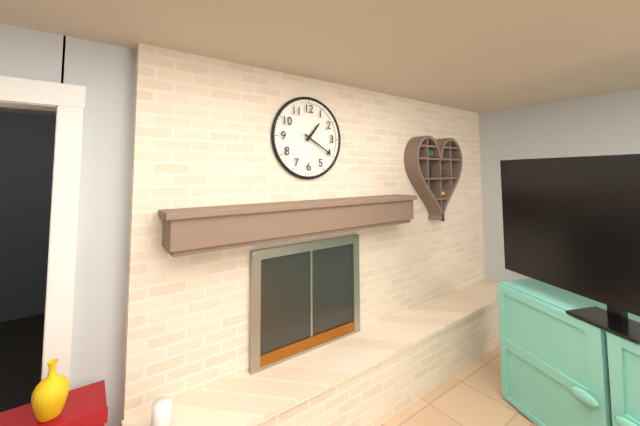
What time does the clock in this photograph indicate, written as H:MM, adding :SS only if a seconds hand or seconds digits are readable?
1:20
